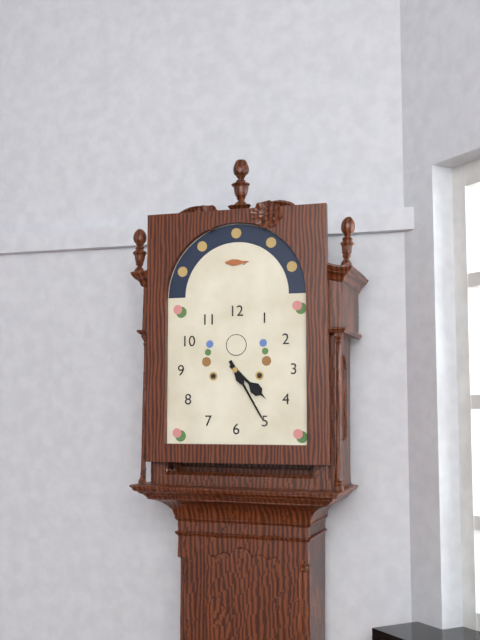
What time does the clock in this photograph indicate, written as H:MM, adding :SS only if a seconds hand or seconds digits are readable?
4:25
